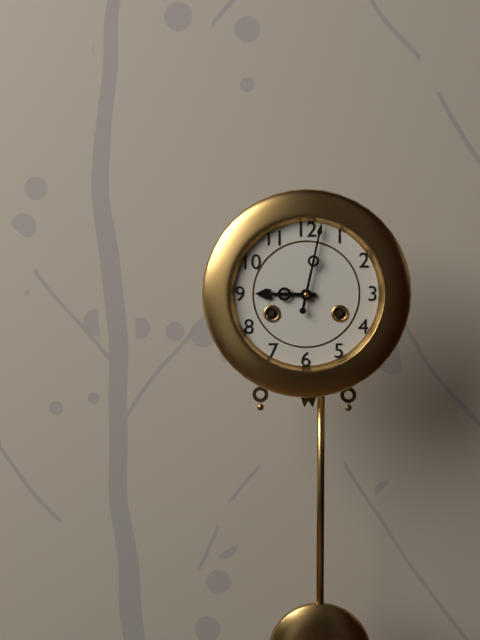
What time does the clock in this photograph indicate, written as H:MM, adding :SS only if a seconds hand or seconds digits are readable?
9:02
